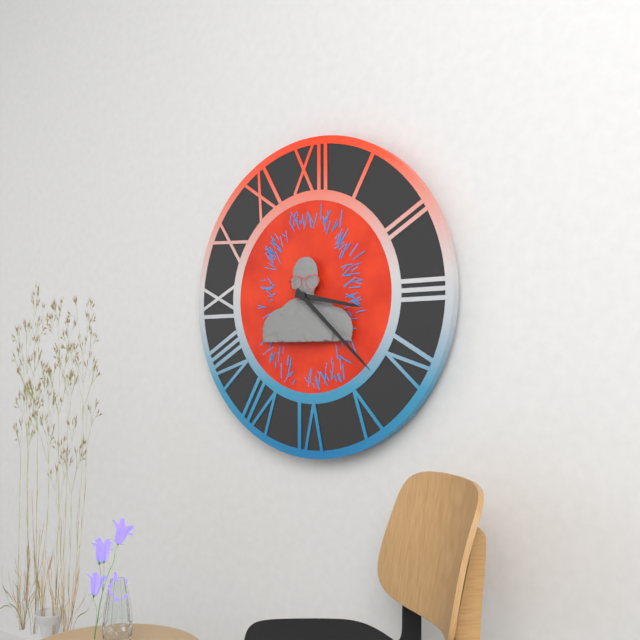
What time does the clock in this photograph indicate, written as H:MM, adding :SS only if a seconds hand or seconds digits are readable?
3:22
